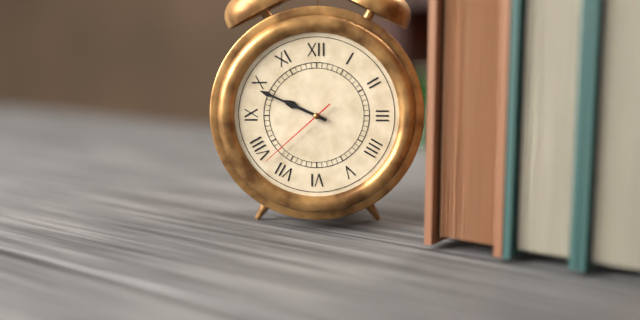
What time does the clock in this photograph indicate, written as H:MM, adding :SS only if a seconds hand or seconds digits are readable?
9:49:38
